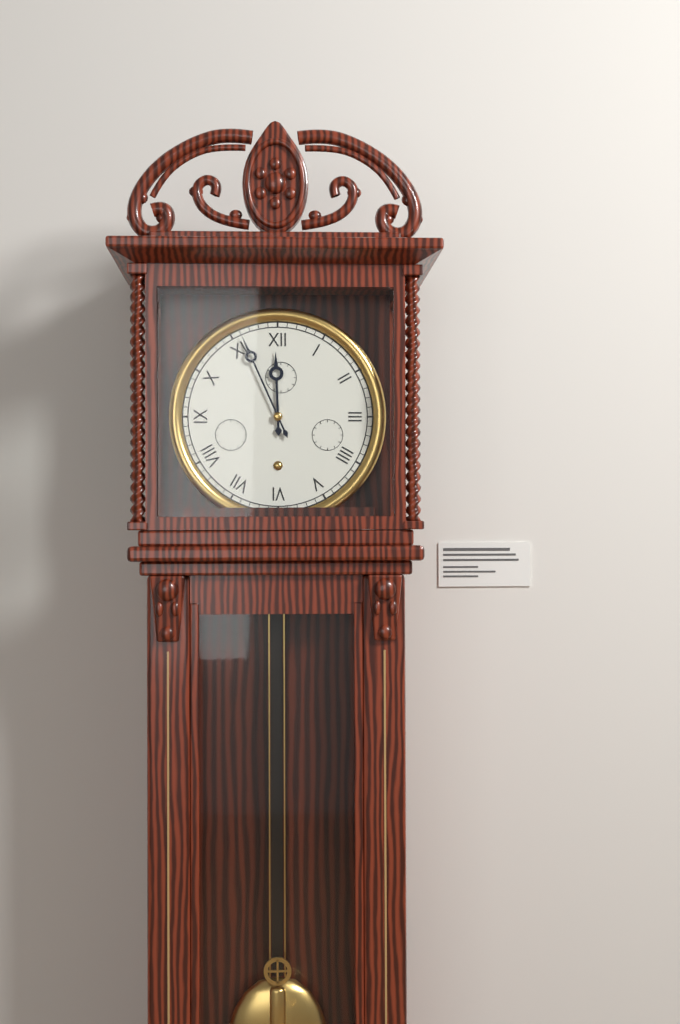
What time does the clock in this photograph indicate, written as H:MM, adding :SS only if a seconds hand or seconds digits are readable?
11:56
